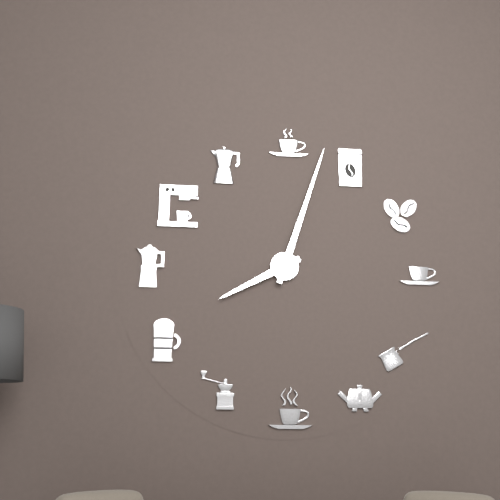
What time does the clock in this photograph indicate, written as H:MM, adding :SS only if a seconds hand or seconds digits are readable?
8:03
